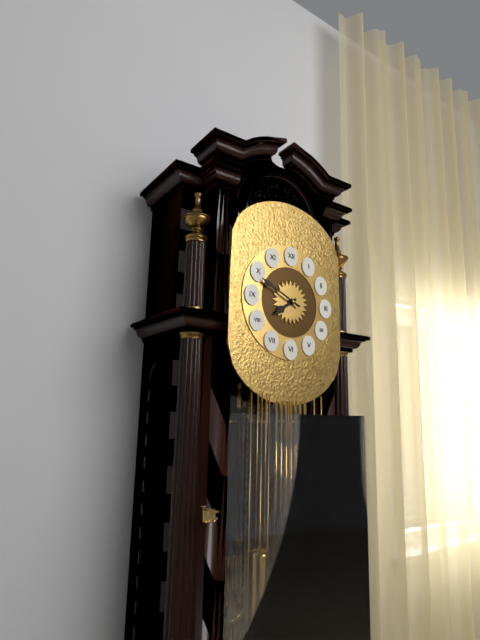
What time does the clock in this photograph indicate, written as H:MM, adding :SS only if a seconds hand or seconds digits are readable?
7:49
